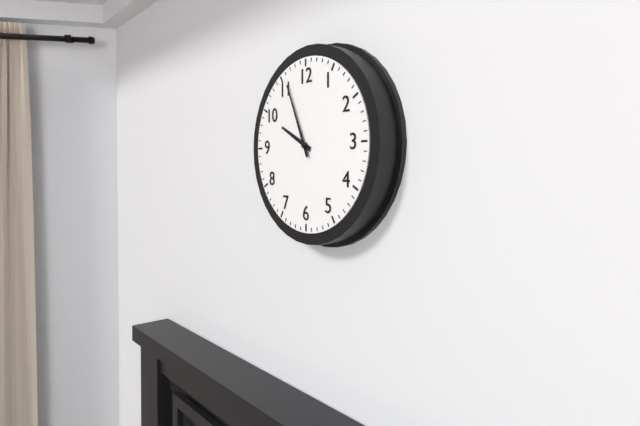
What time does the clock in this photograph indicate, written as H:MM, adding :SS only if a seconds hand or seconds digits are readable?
9:56
